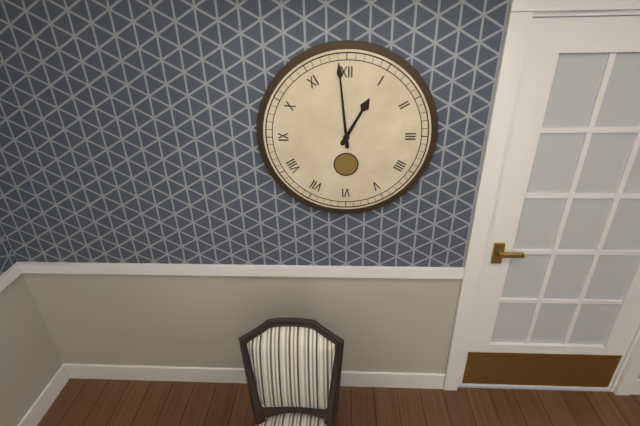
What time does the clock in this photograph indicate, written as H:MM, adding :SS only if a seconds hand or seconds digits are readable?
12:59
